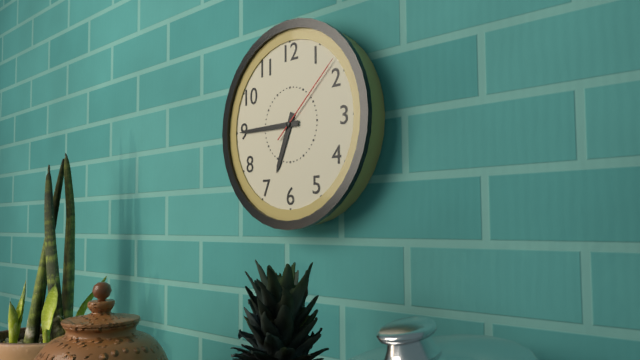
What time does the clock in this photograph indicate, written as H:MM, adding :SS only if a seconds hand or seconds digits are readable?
6:45:08
